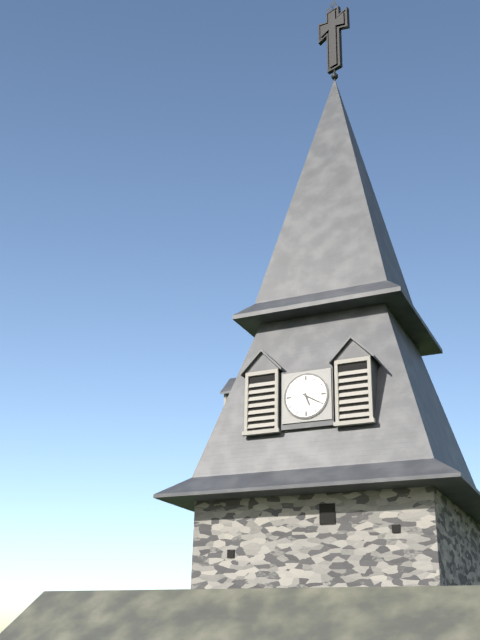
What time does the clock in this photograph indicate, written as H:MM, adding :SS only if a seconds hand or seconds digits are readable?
5:20
